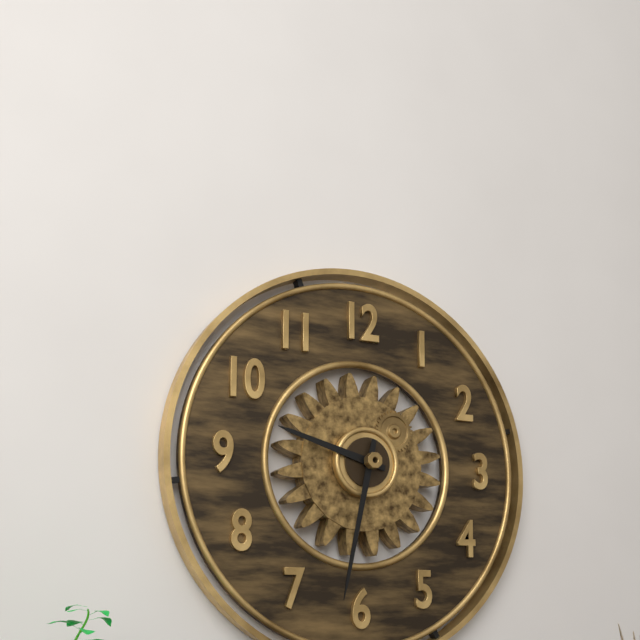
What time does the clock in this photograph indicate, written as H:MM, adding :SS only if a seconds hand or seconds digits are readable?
9:32
